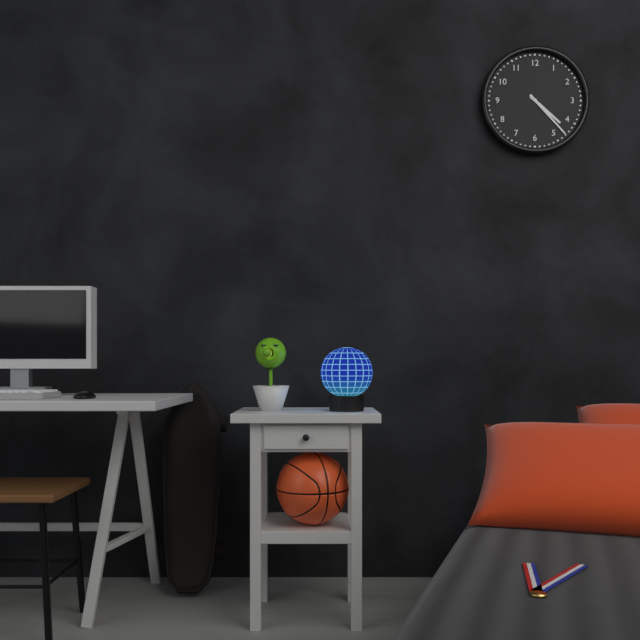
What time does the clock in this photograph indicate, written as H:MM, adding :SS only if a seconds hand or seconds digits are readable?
4:23
